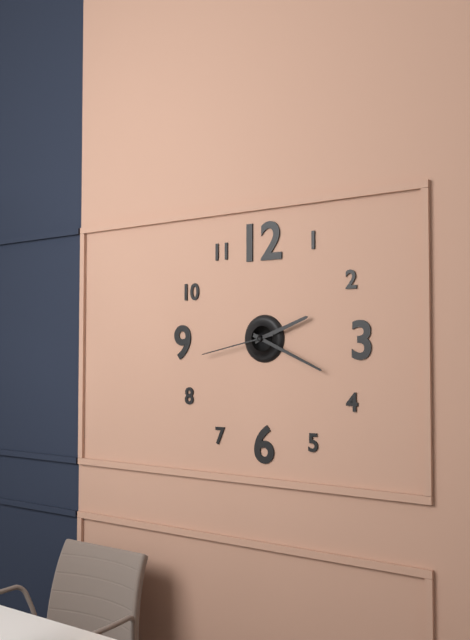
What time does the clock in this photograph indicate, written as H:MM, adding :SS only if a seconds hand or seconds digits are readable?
2:19:43
